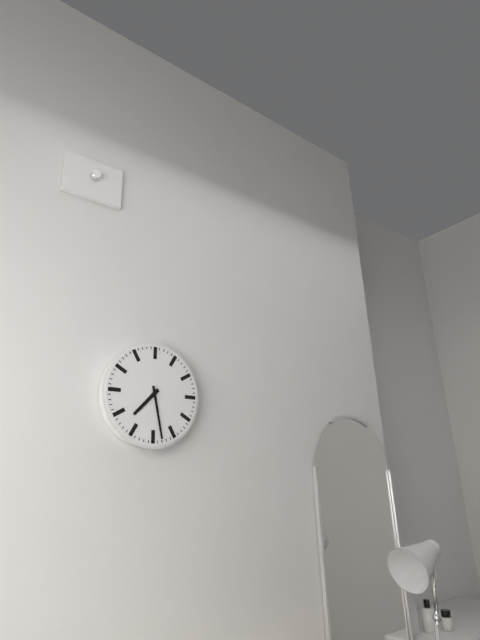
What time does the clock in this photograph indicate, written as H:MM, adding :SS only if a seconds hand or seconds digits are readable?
7:28
